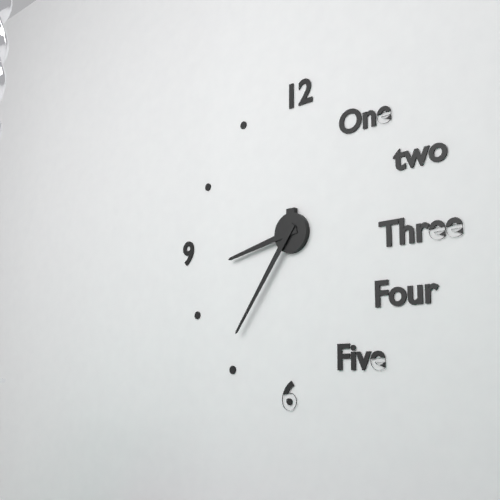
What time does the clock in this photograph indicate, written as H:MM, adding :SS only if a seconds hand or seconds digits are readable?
8:36
